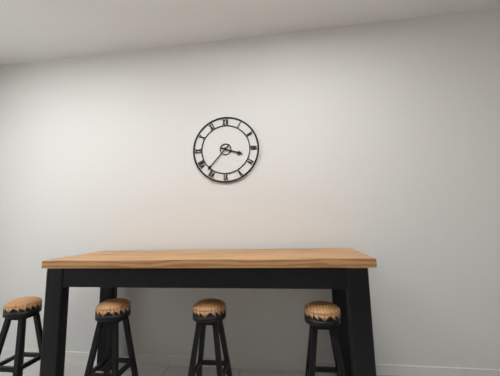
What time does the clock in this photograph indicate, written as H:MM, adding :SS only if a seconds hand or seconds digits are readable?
3:37
